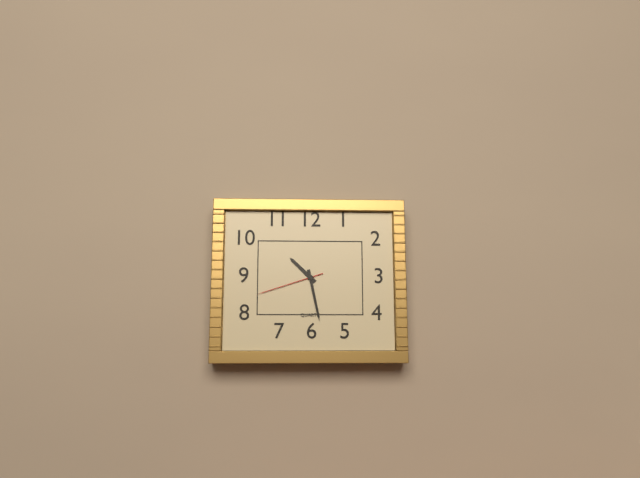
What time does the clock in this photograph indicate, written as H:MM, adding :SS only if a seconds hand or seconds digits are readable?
10:28:42
